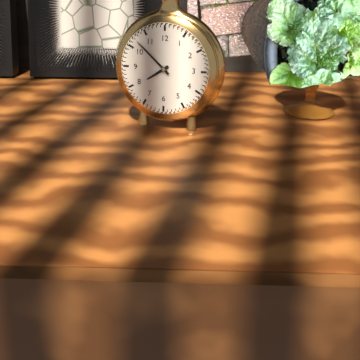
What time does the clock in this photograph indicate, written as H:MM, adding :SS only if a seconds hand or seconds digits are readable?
7:52
